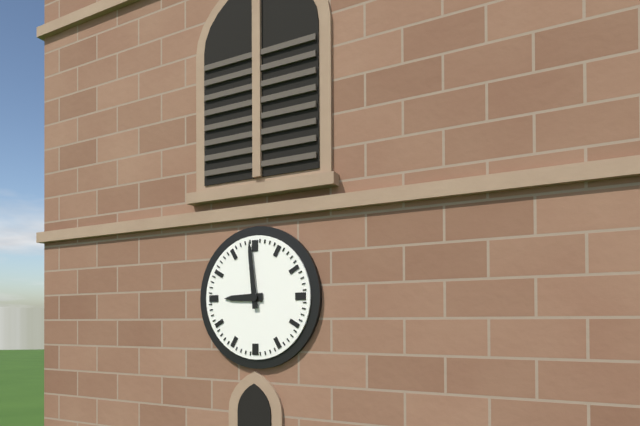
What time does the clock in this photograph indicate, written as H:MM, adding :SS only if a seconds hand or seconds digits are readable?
8:59
